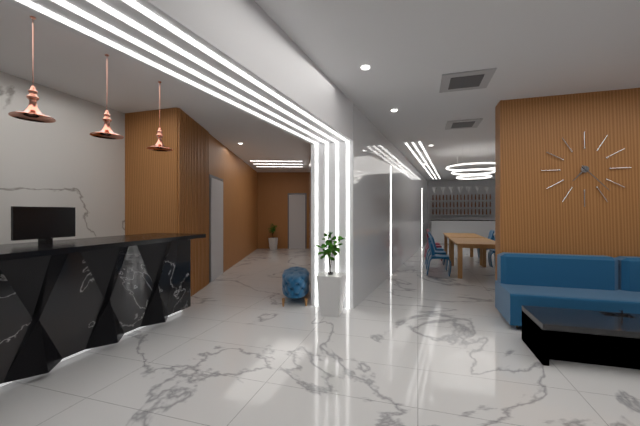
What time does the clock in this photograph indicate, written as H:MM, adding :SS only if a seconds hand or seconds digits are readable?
7:23
